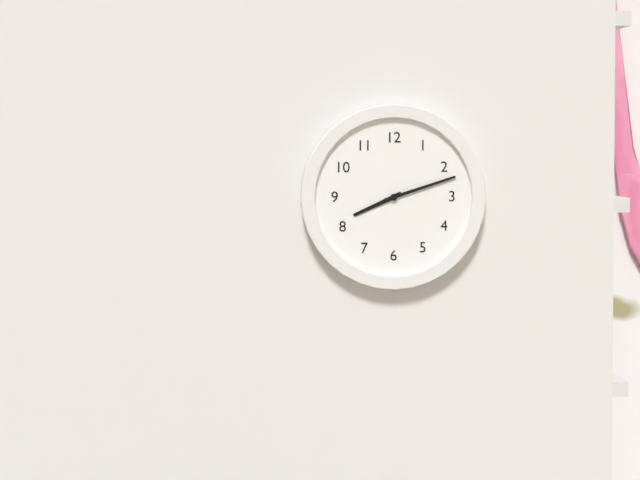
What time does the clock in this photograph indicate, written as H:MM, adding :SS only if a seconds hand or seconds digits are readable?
8:12
